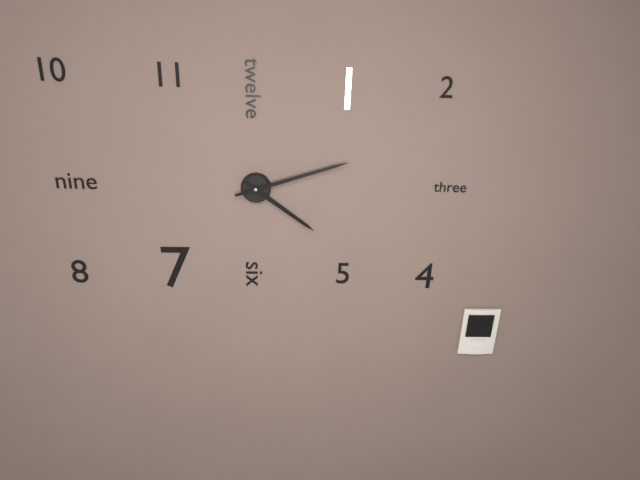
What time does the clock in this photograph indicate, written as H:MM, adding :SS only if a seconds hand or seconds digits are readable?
4:12
